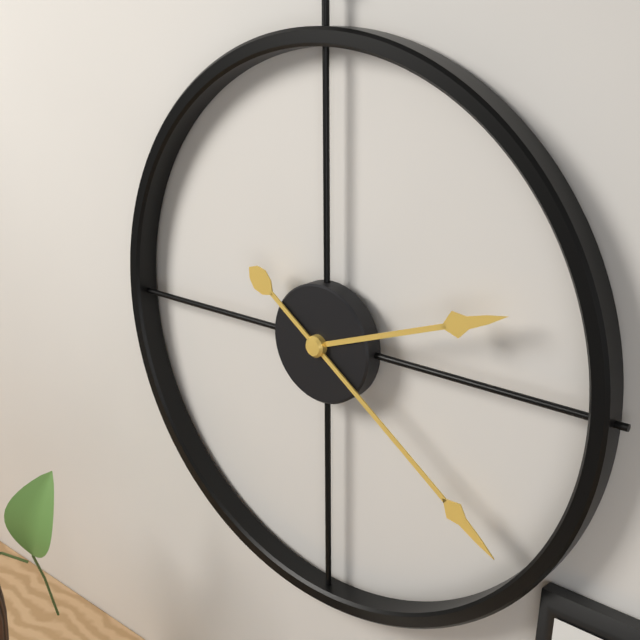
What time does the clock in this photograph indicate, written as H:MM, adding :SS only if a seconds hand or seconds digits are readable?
2:21
